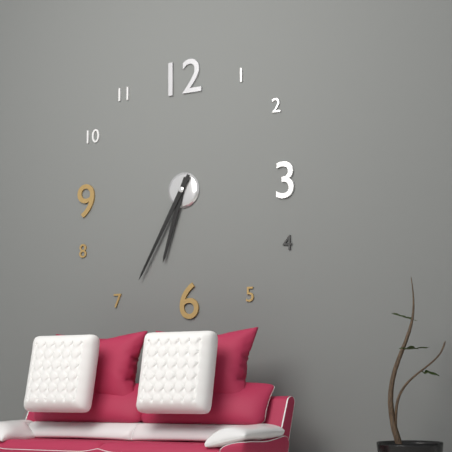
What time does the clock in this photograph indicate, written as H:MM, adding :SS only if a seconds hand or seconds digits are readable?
6:35
